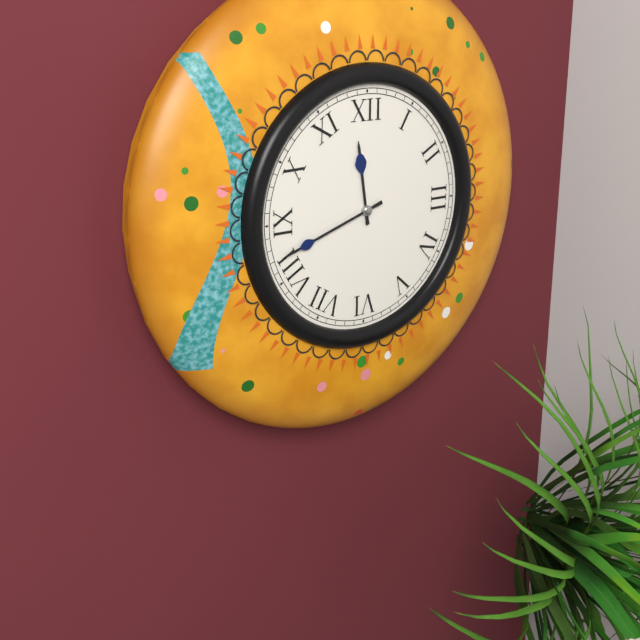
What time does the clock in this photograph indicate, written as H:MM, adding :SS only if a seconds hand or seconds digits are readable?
11:42
